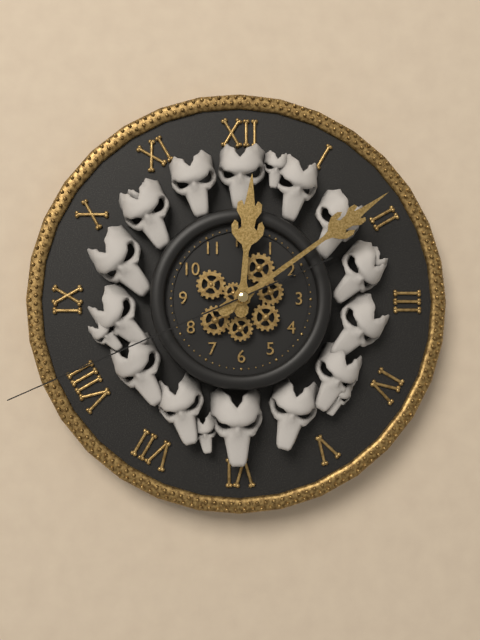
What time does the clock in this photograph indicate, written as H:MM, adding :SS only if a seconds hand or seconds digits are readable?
12:09:41
